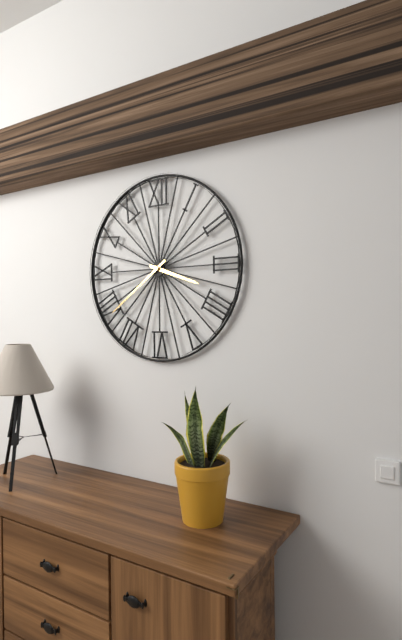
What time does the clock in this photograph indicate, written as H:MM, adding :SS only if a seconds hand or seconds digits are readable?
3:39
